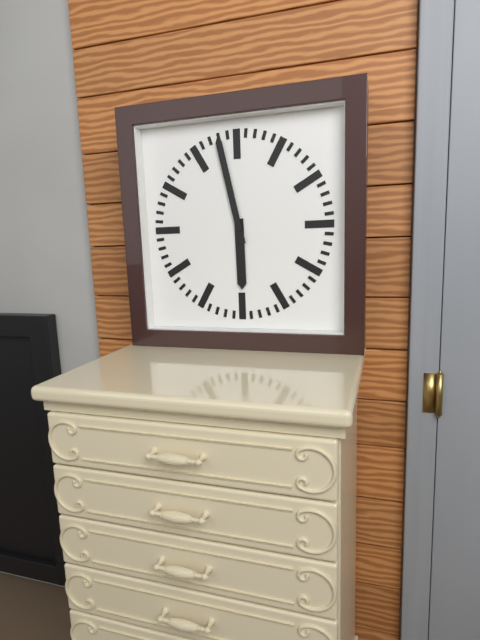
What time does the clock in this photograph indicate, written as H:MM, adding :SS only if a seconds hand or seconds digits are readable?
5:58
